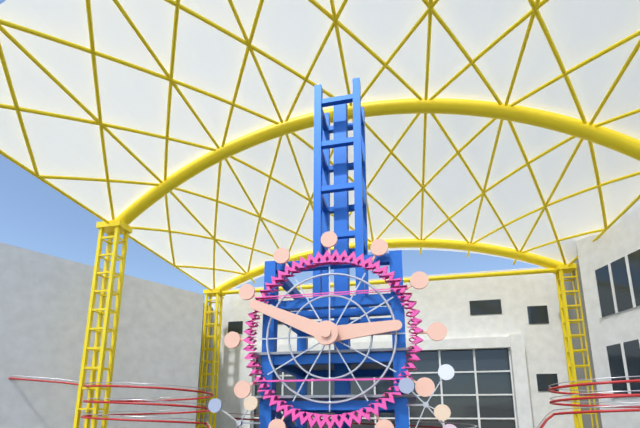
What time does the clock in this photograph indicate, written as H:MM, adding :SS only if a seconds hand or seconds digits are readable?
2:49
